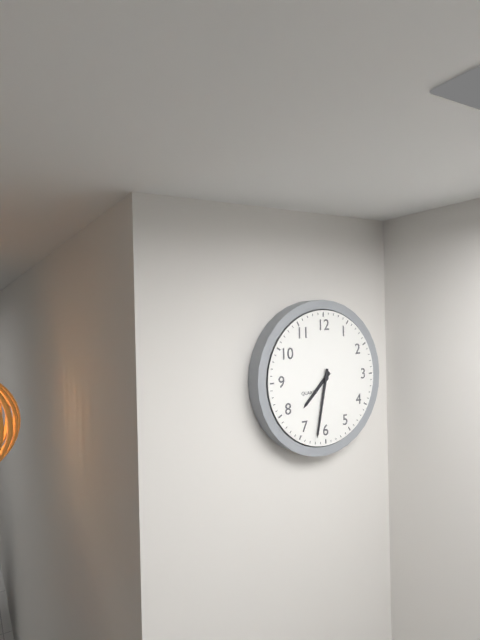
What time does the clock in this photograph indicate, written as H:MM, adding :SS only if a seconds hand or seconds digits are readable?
7:32
